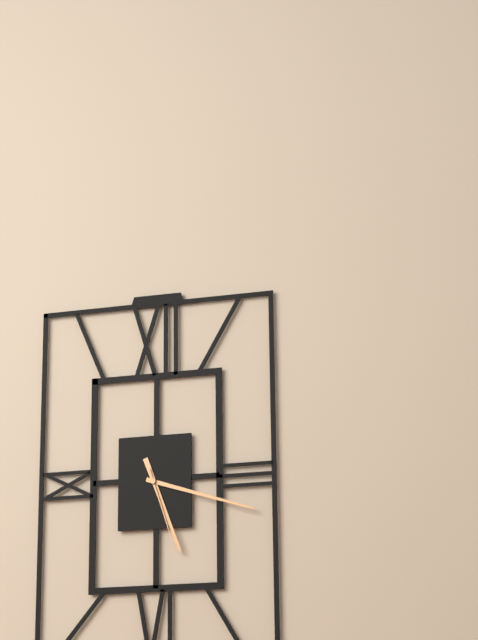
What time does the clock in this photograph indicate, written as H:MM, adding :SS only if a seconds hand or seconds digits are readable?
5:18:27
